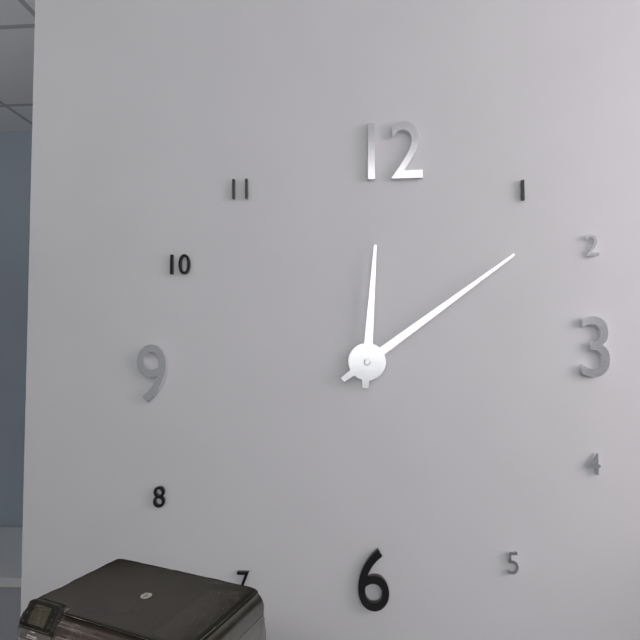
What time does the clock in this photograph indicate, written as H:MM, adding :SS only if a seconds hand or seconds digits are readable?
12:09
